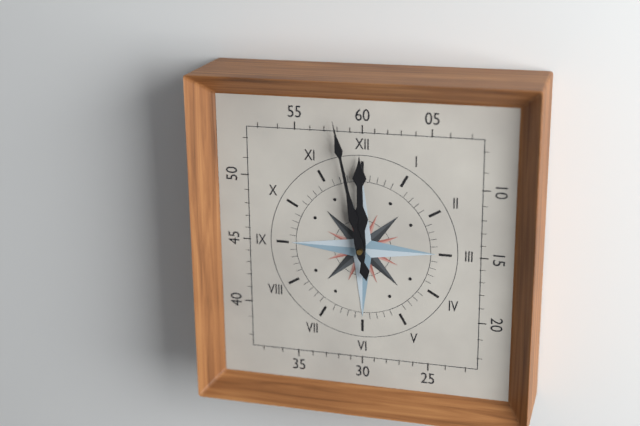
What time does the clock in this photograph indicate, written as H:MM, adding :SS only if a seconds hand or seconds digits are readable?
11:58
